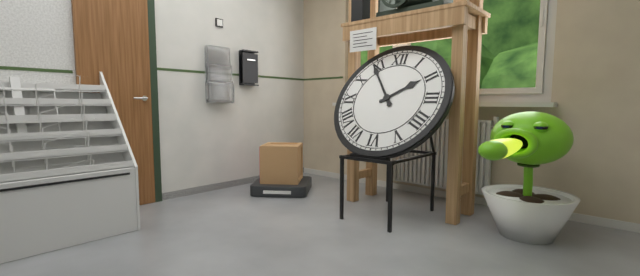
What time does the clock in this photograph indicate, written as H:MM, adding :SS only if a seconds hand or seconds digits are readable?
1:54
